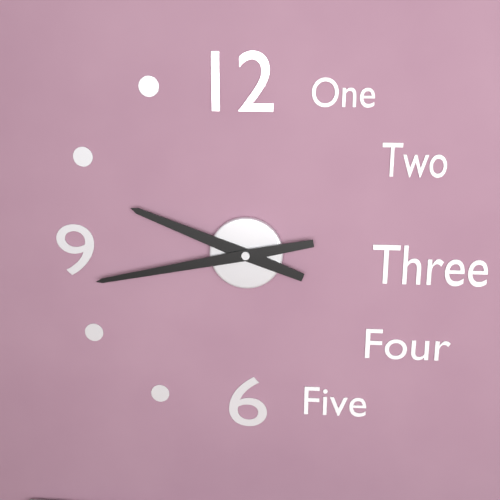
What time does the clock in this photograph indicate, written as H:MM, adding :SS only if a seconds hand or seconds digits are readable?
9:43
